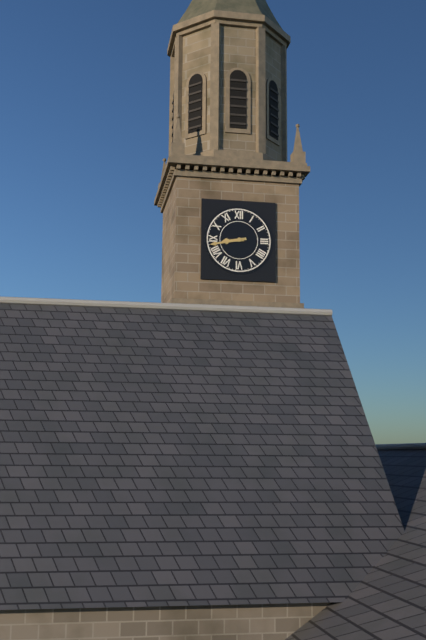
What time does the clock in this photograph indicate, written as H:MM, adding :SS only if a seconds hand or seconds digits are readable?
8:43
